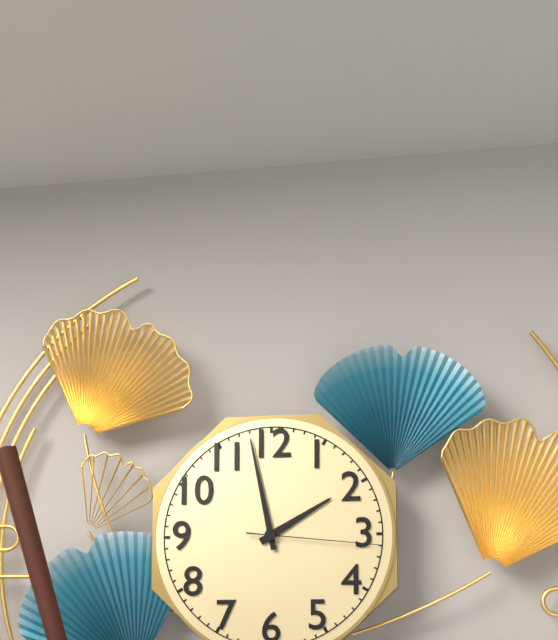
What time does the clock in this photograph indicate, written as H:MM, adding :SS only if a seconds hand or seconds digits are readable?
1:58:16
